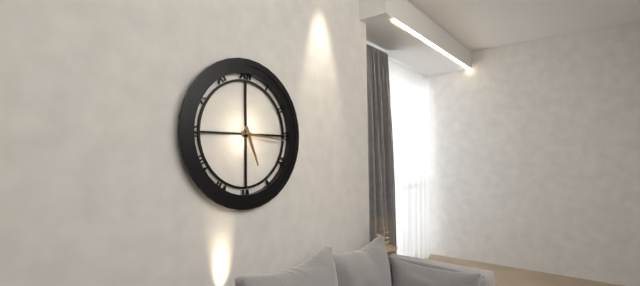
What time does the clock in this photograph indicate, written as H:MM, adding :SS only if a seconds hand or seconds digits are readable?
5:16
